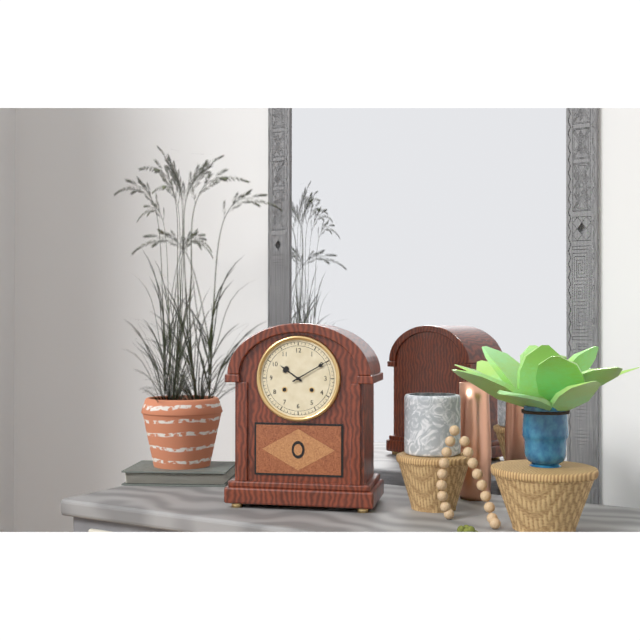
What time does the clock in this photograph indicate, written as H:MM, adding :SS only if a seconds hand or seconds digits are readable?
10:10
